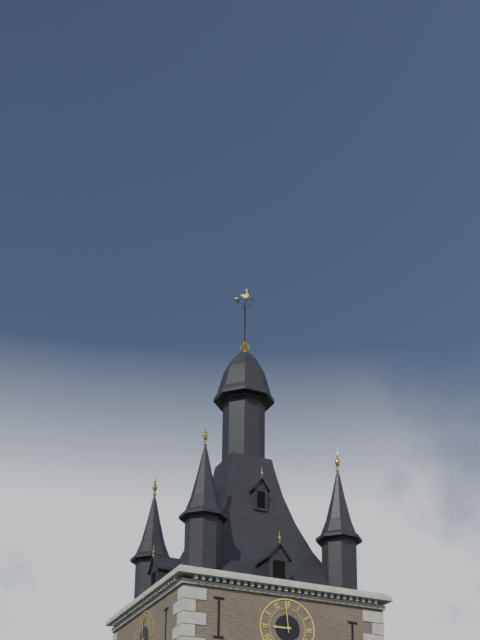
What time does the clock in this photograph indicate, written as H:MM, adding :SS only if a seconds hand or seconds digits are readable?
8:59
